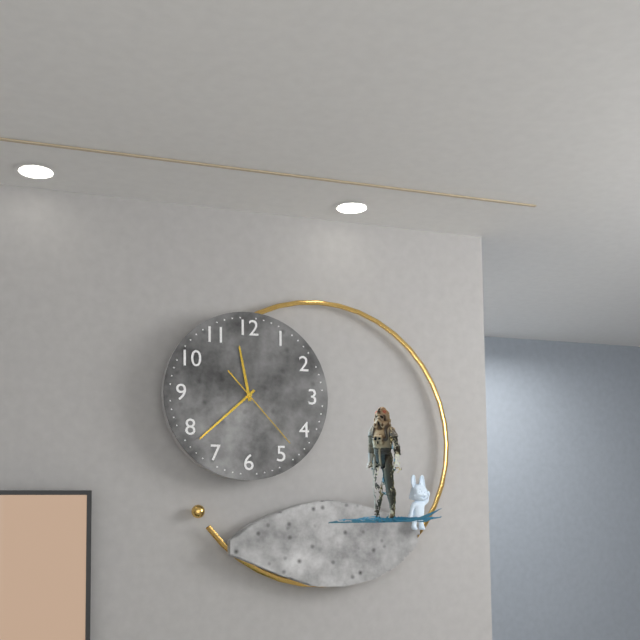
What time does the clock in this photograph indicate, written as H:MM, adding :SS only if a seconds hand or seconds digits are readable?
11:38:23
